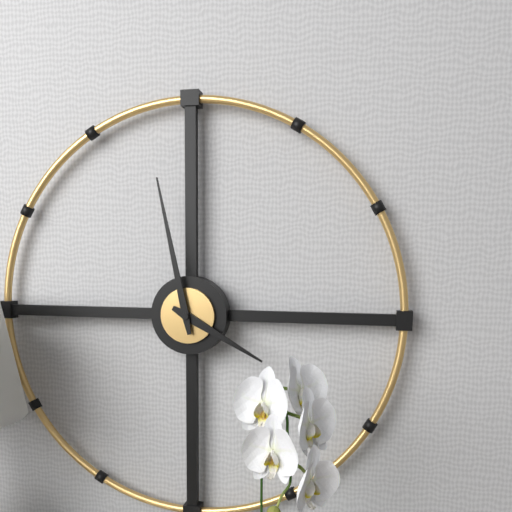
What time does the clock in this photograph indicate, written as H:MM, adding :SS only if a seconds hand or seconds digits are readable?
3:58
